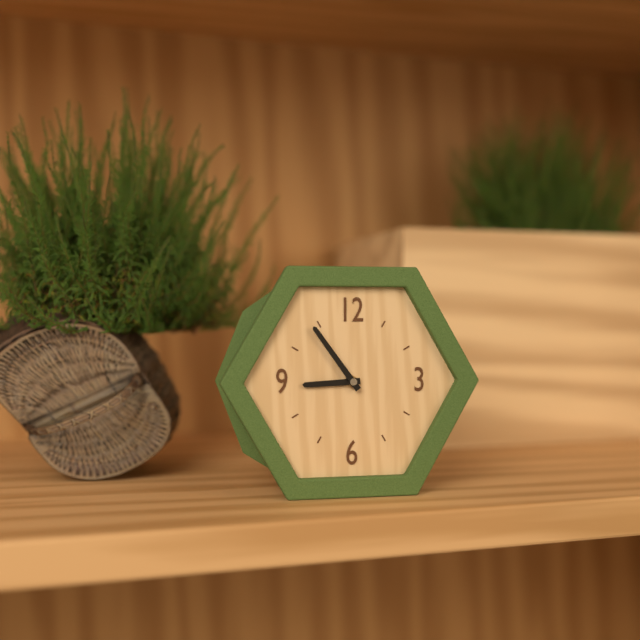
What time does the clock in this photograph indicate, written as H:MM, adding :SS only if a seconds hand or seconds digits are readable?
8:54
